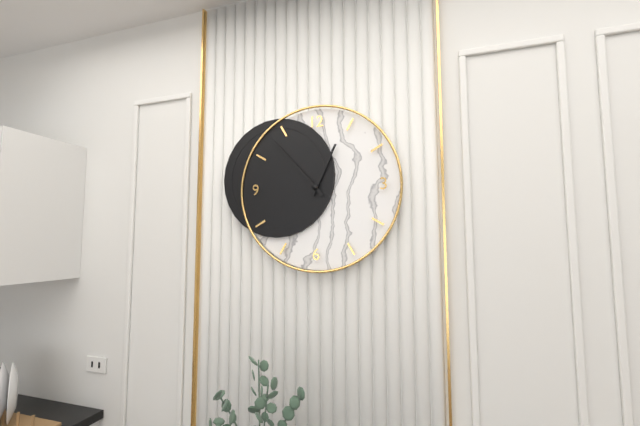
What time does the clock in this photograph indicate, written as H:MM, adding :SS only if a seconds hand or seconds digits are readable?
12:53
